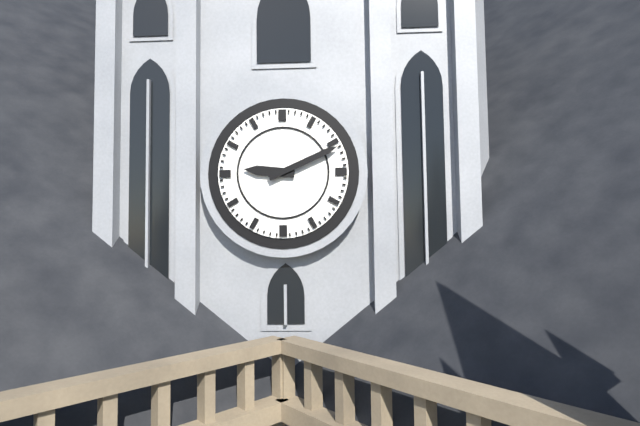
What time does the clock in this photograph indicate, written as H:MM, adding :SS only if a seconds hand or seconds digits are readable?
9:11
